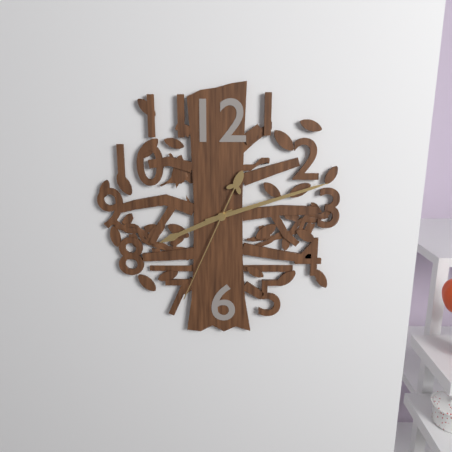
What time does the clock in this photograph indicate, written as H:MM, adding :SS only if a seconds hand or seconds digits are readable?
8:12:34
